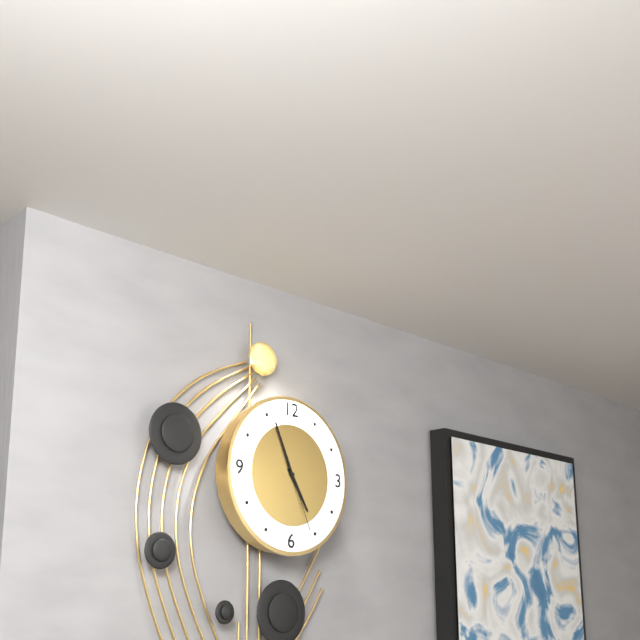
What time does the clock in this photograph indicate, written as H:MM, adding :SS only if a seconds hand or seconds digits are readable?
4:56:26
